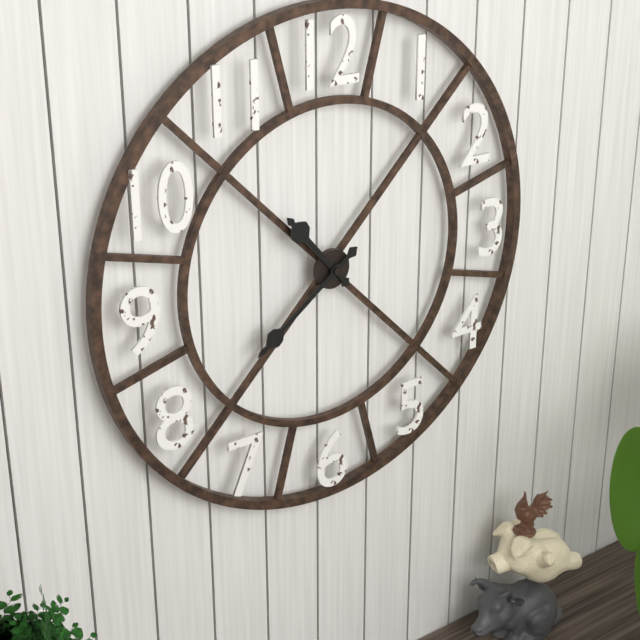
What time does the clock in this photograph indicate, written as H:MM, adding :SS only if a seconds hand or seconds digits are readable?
10:39
